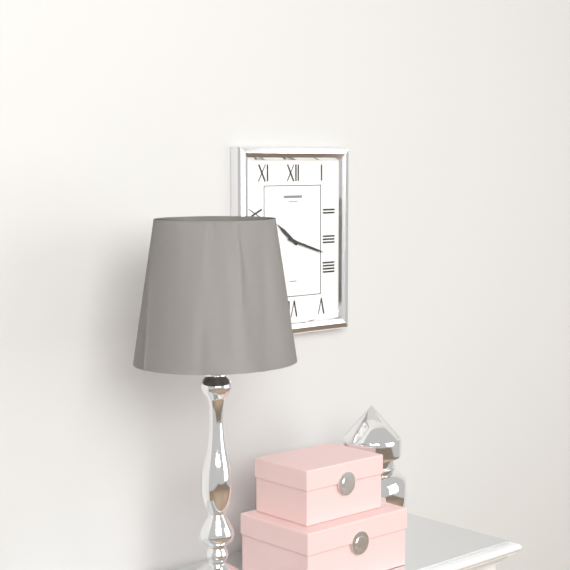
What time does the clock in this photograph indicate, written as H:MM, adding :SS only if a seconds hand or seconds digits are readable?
10:18
